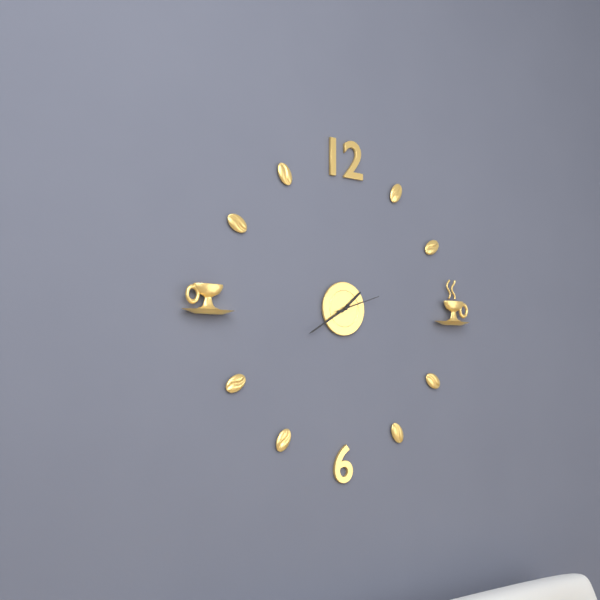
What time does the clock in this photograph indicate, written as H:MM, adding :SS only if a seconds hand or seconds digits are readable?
1:40
